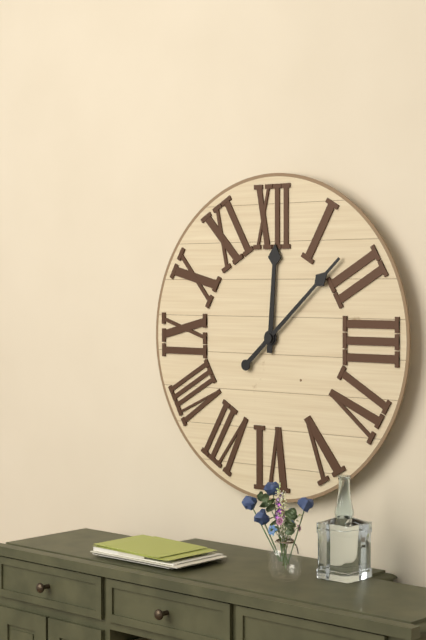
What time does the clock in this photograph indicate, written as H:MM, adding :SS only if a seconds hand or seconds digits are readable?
12:08
